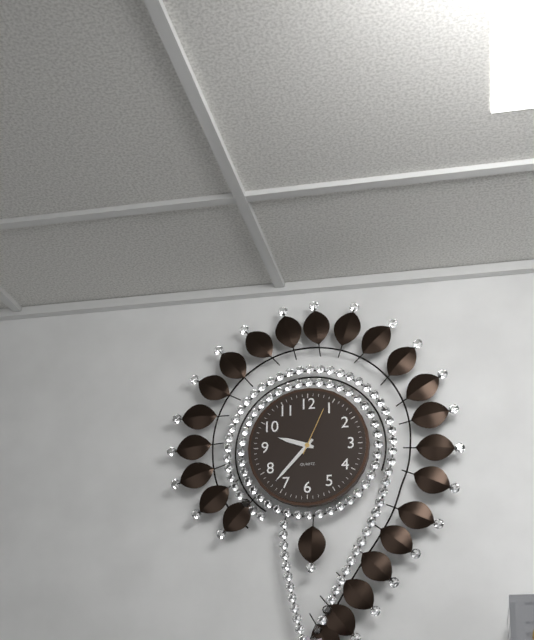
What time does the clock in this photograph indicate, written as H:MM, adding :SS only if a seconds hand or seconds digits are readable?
9:37:04
